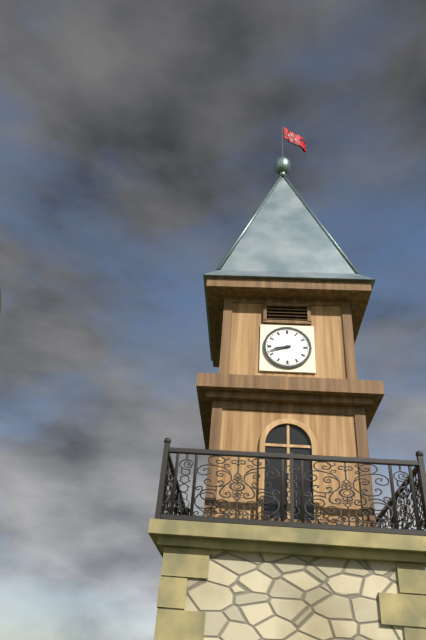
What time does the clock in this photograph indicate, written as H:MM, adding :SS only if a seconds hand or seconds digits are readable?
8:42
